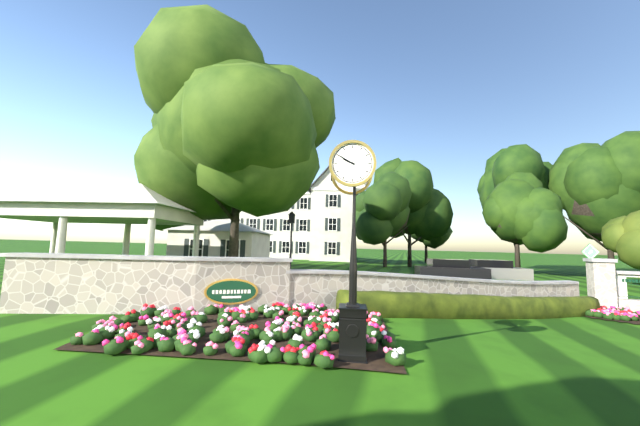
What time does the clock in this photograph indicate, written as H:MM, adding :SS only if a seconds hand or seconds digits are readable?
9:50
